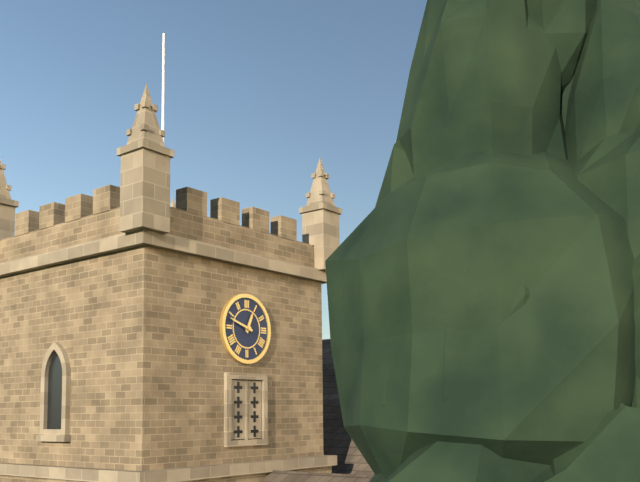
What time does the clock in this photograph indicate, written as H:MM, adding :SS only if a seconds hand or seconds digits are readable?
12:48
